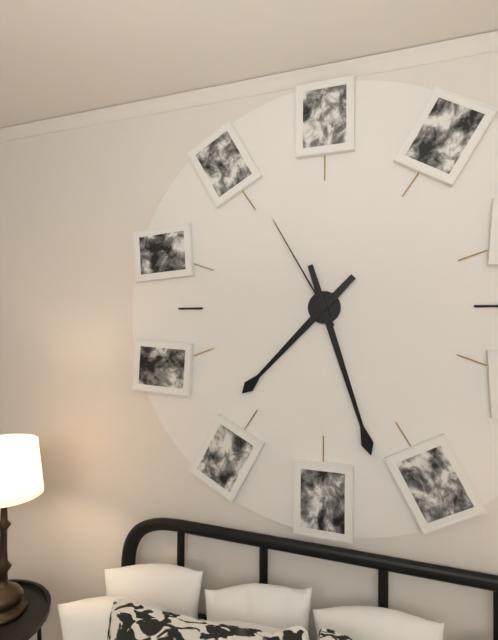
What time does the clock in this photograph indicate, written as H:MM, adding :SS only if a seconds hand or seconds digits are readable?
7:27:55
